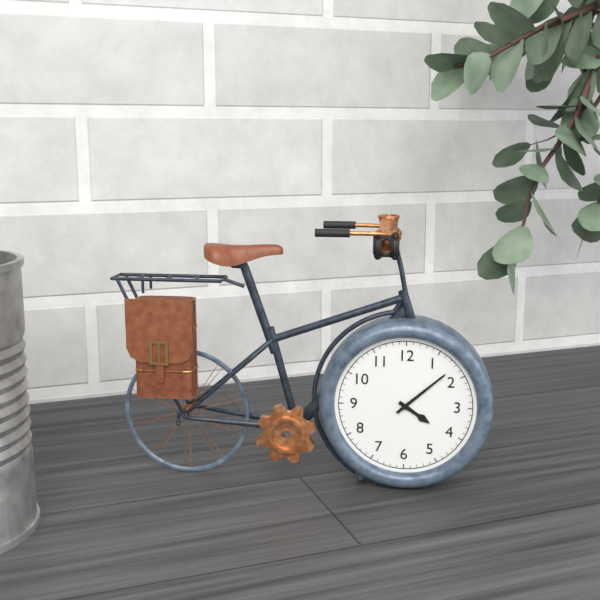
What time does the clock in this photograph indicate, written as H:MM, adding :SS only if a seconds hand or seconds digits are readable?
4:08
